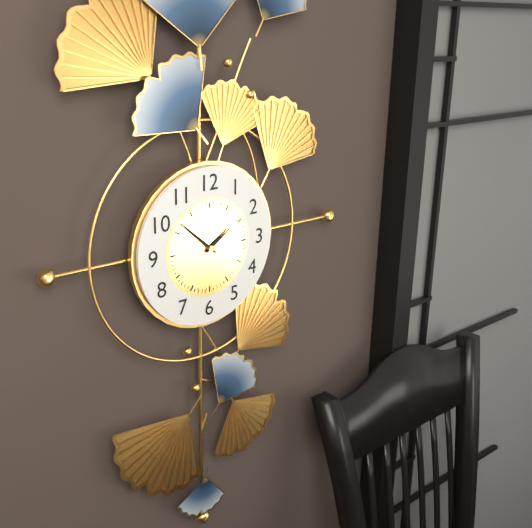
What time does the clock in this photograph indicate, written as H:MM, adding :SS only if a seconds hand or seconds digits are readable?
1:52
